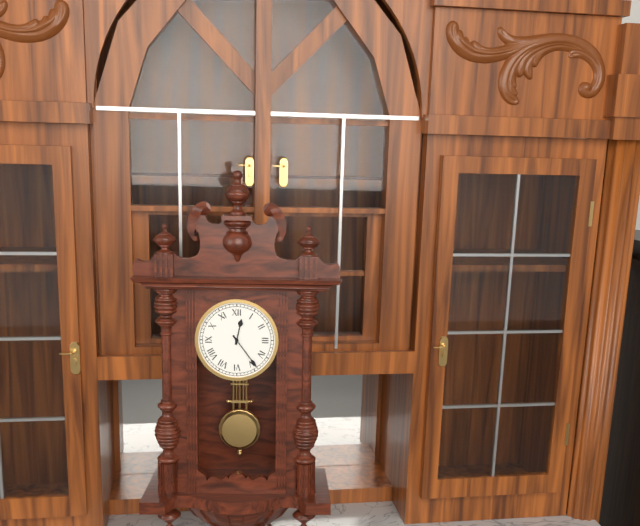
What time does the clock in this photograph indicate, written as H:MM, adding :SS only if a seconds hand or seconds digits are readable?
12:24
